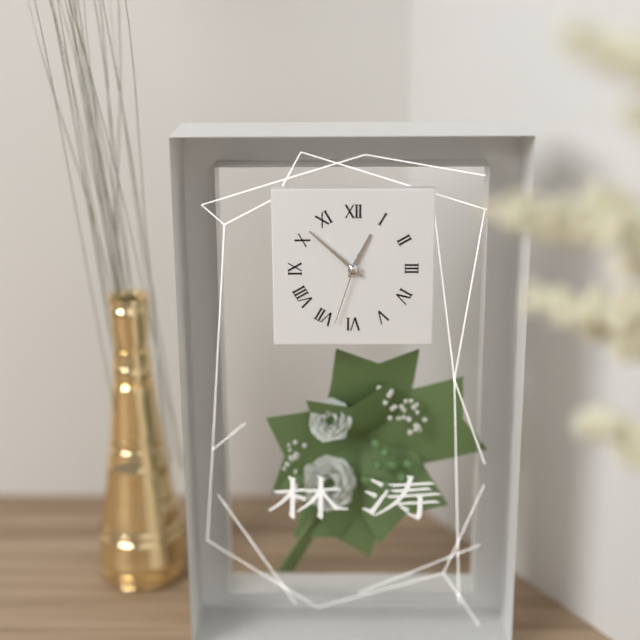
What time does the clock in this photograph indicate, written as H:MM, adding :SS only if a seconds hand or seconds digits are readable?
12:52:33
